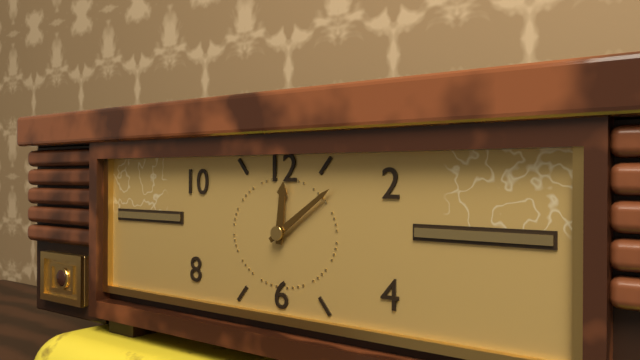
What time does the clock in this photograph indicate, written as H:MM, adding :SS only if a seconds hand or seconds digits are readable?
12:09
